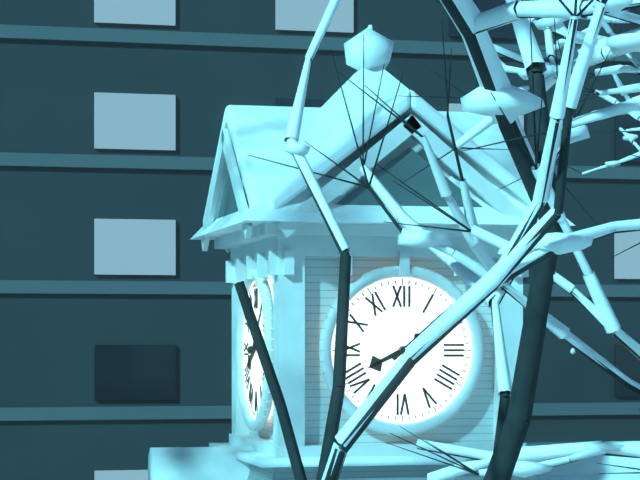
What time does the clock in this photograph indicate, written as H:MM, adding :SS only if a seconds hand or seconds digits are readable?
8:08
